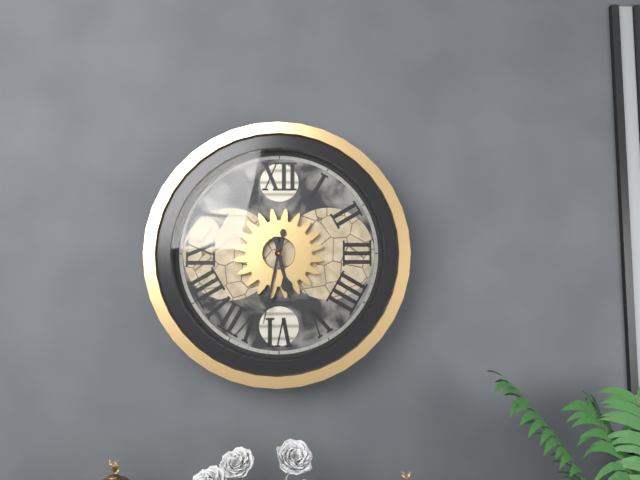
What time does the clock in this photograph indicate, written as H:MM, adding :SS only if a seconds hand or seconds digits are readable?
5:32
